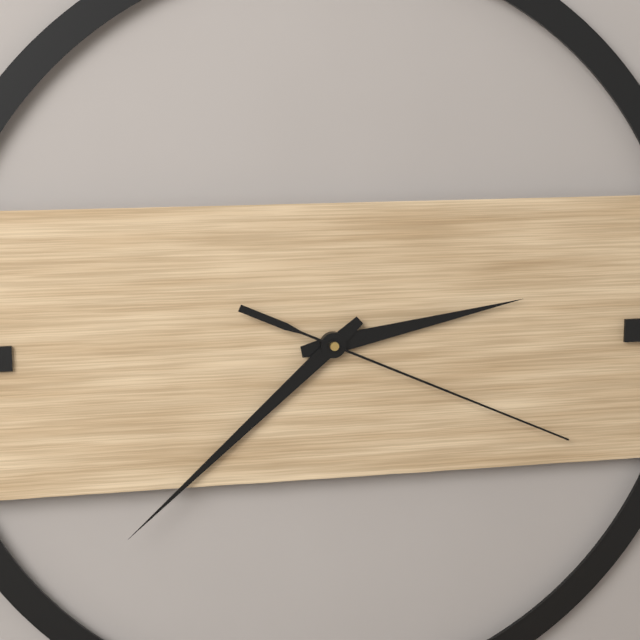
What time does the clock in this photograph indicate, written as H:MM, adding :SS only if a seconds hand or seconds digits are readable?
2:38:19
